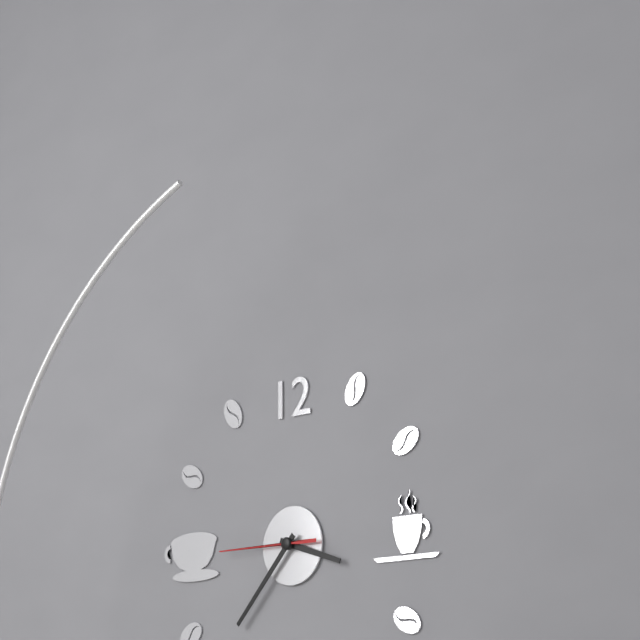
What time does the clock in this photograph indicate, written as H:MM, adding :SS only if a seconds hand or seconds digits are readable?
3:37:45
